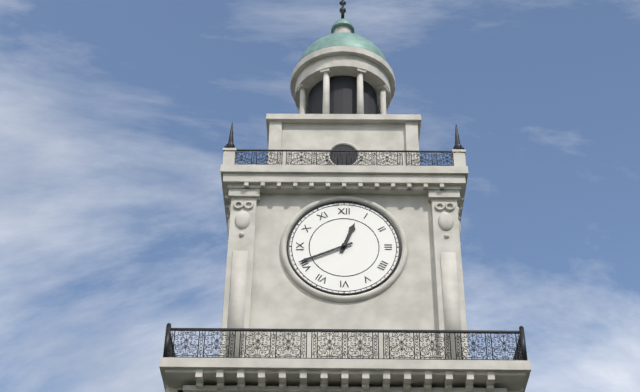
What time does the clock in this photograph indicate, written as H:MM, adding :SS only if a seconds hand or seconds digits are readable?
12:41
